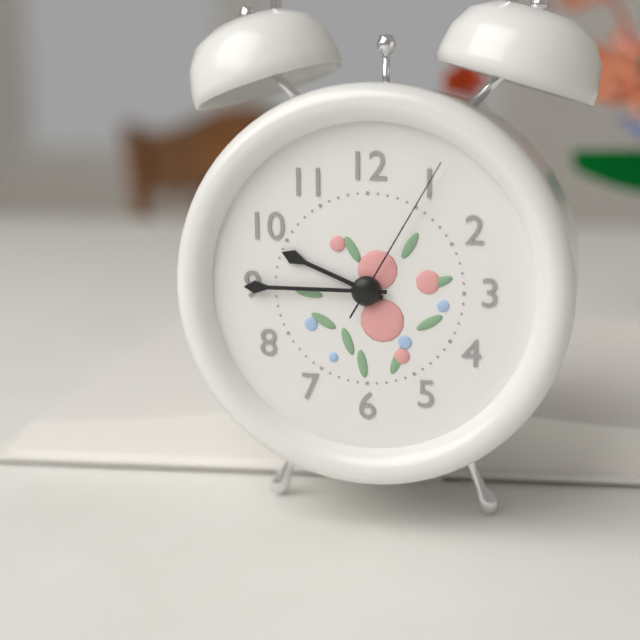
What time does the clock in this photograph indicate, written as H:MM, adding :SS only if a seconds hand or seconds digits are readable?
9:45:05
